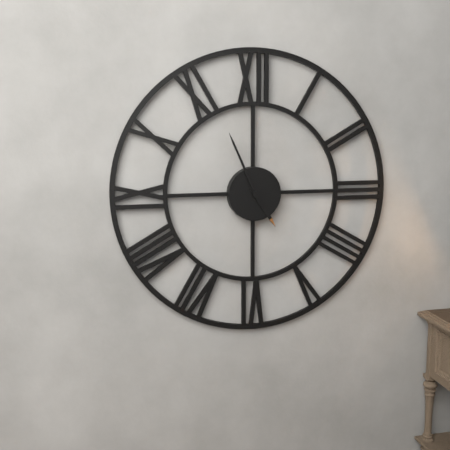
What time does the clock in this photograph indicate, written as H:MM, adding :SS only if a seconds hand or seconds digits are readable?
4:56
